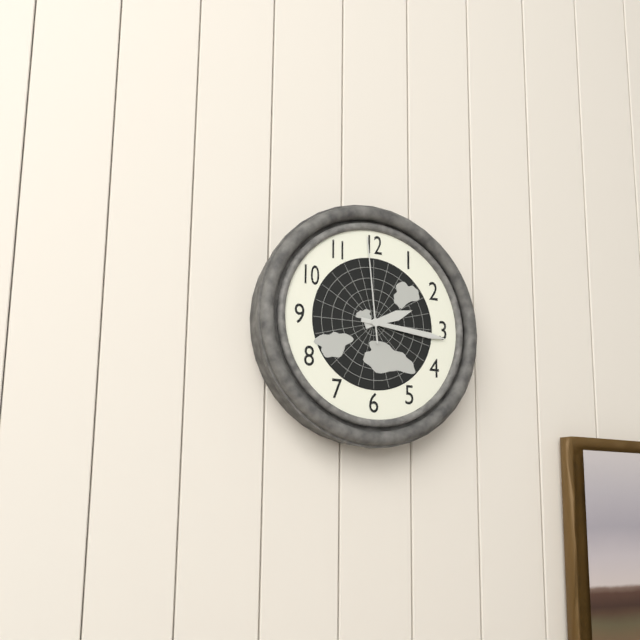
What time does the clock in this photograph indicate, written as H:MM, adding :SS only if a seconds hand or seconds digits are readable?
2:16:59
